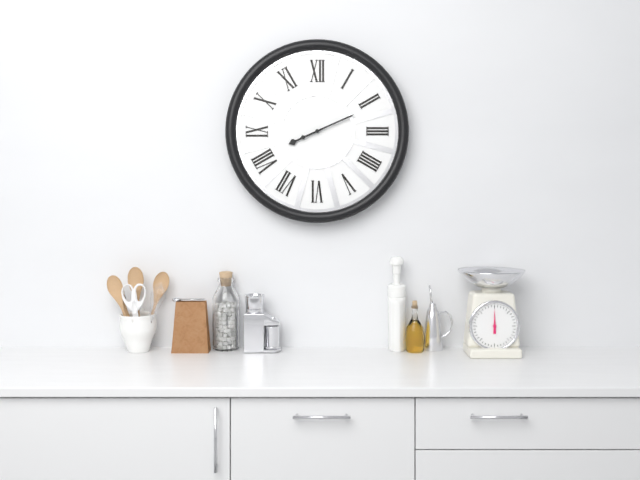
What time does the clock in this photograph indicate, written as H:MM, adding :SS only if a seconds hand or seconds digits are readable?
8:11
